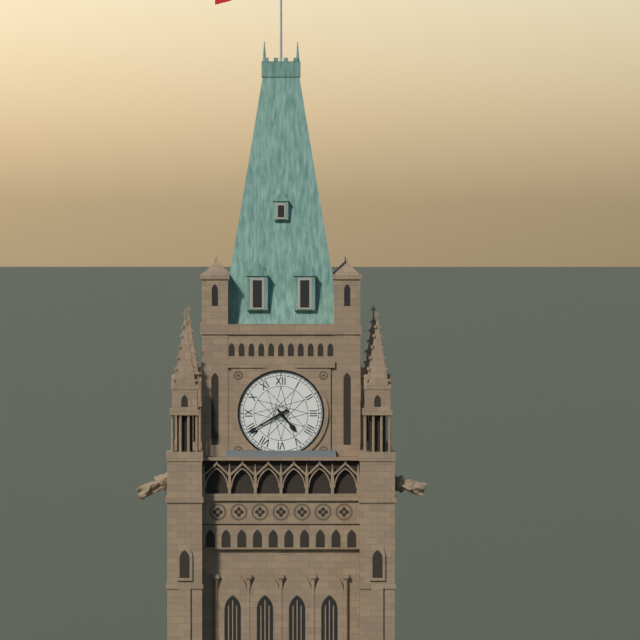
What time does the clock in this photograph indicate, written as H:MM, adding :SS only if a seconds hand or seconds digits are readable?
4:40
